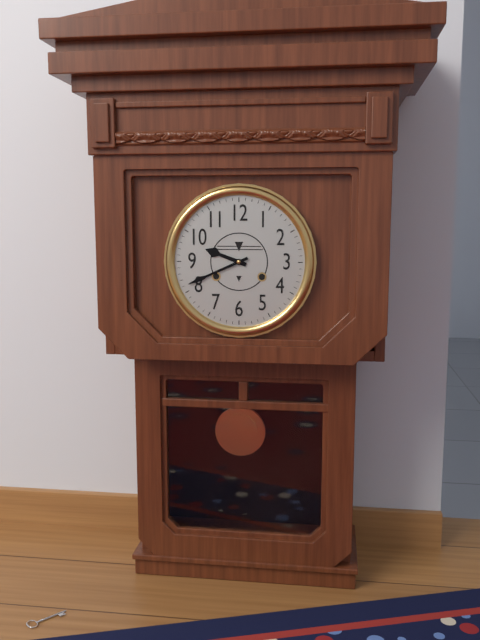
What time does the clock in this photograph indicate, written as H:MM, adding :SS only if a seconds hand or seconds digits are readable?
9:41
